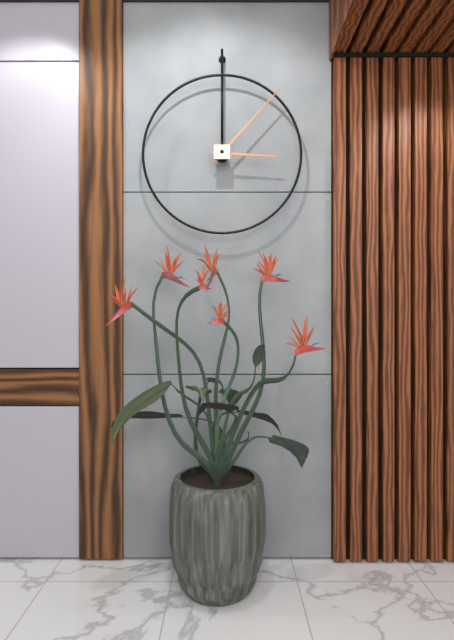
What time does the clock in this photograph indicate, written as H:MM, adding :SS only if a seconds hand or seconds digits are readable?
3:07
